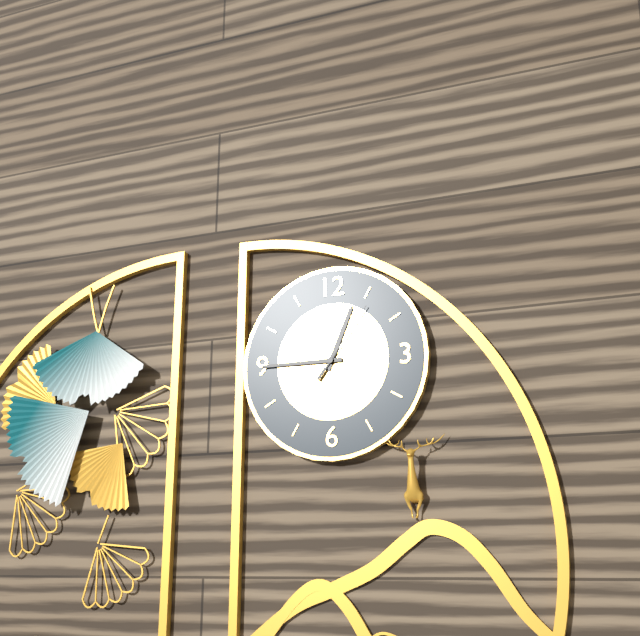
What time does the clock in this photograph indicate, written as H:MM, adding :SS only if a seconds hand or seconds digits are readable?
12:45:06
